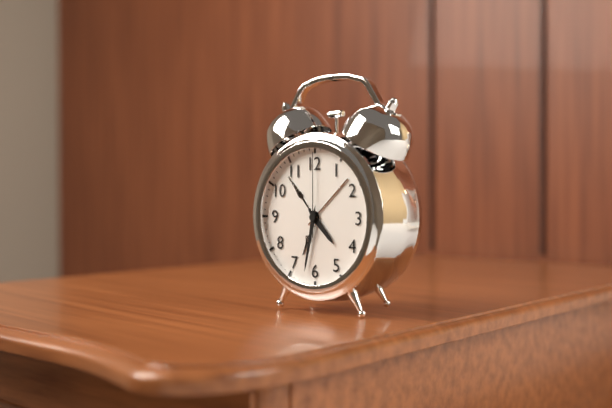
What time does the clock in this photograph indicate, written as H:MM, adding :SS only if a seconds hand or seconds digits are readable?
4:32:00
